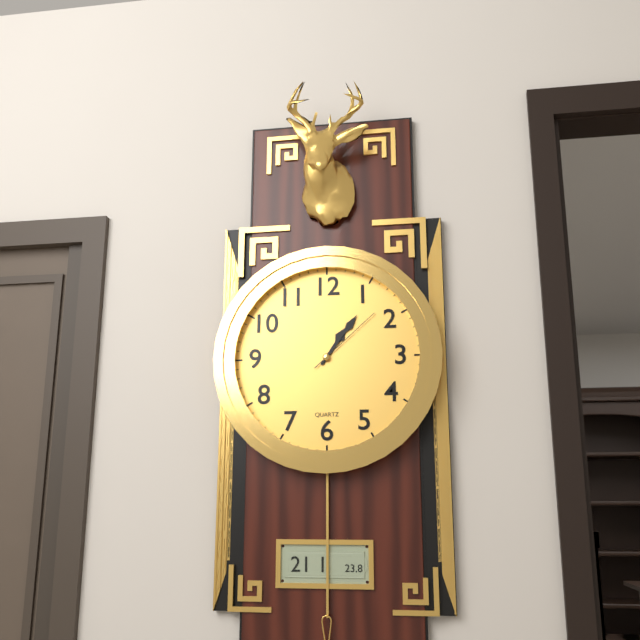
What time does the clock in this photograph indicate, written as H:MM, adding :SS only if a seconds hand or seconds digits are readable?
1:06:08
